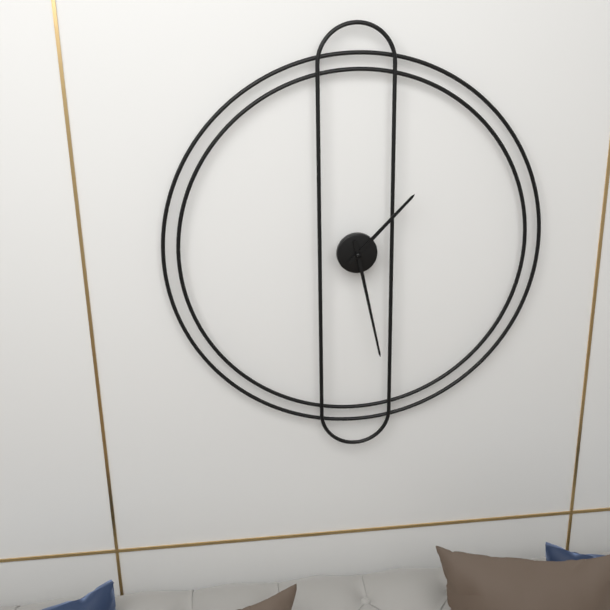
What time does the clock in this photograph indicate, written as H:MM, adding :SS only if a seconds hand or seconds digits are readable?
1:28
